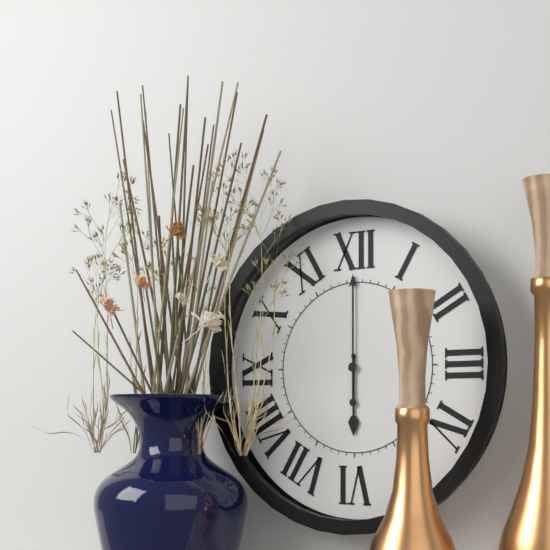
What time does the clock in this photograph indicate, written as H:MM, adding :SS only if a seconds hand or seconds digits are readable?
6:00
